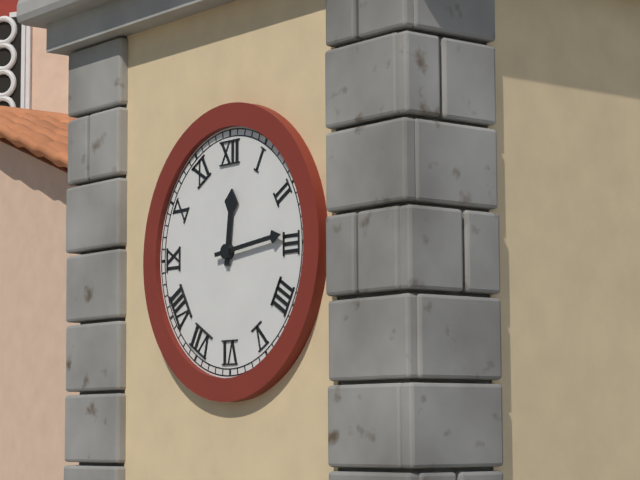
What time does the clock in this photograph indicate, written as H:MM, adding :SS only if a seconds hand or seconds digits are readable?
12:14
